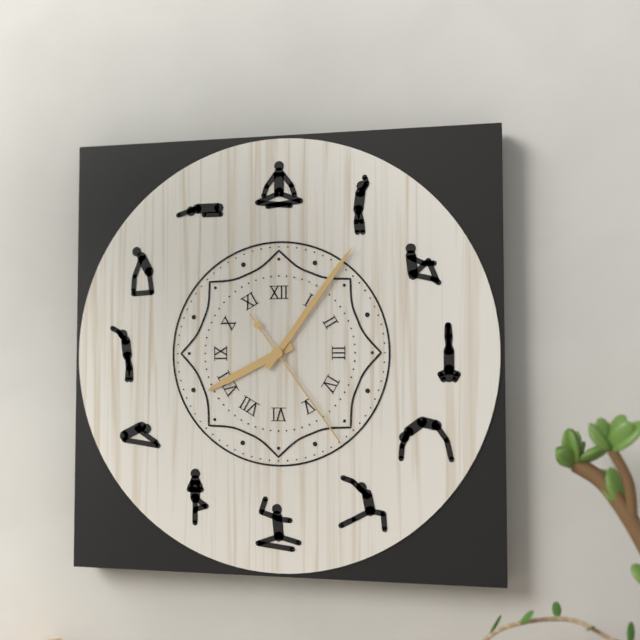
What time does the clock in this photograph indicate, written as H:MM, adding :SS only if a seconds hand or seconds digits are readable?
8:06:24
